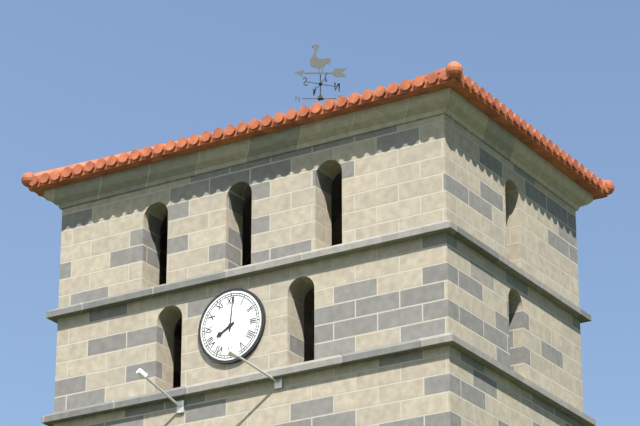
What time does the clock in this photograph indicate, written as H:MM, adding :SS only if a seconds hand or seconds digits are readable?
8:01
